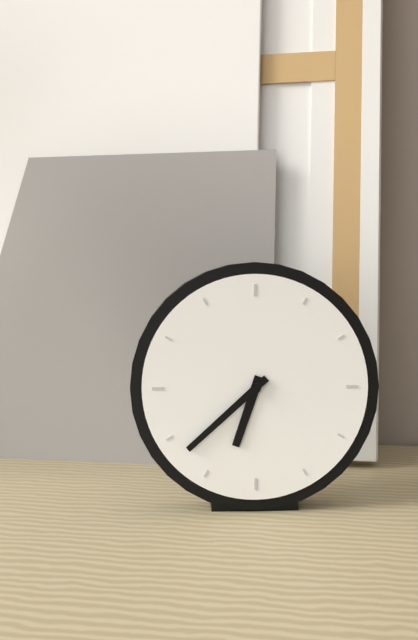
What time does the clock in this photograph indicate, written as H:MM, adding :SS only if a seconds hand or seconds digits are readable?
6:38
